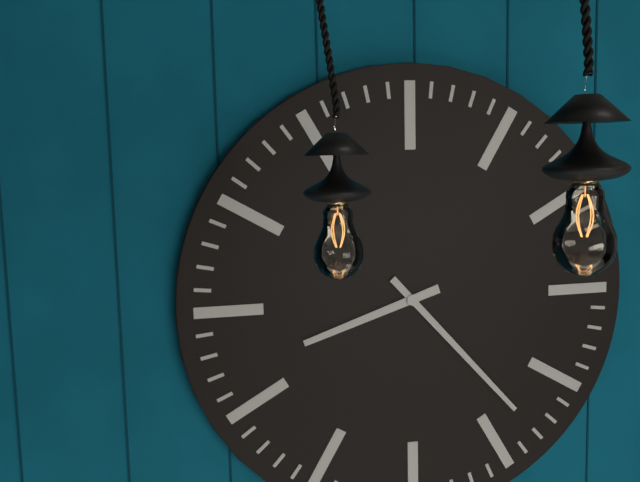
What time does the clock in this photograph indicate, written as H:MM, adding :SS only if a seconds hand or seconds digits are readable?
8:23
